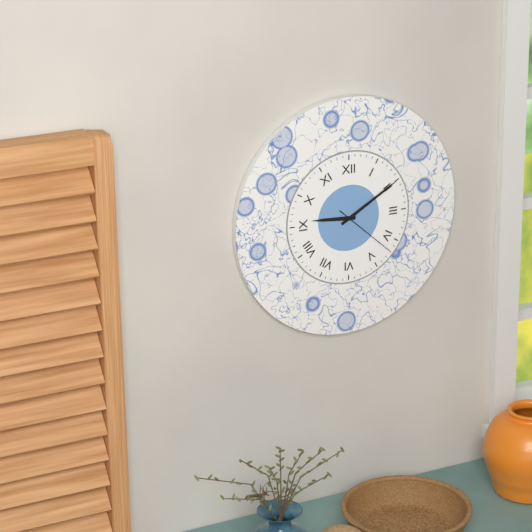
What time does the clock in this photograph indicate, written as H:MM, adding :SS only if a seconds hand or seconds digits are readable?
9:10:22
